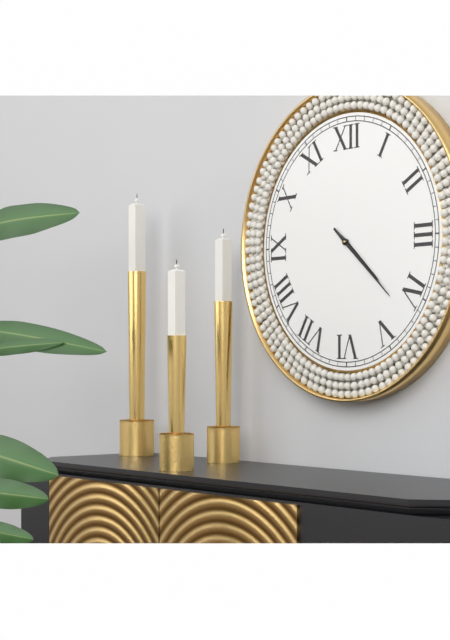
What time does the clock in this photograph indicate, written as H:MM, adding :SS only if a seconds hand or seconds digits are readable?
4:22
